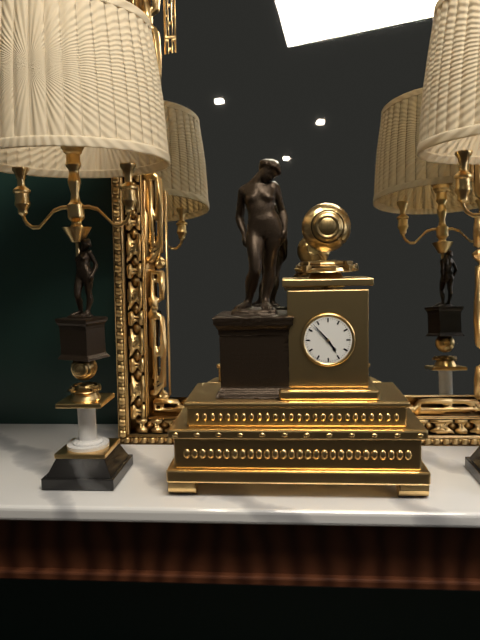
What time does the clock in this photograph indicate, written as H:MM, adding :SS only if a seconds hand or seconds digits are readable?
4:53
